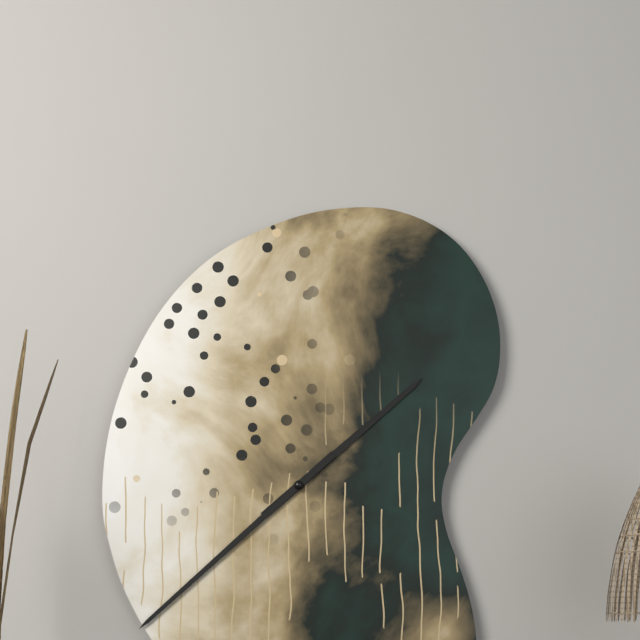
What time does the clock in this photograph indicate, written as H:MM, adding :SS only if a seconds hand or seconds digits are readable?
1:38
